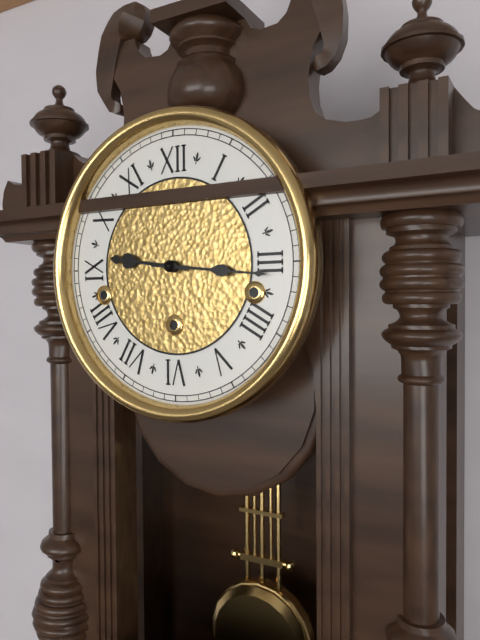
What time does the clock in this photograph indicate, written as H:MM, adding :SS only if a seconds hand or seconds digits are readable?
9:16
